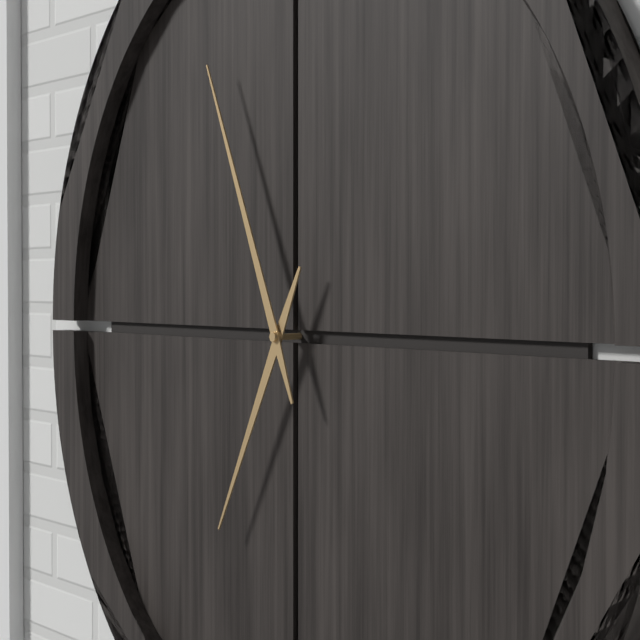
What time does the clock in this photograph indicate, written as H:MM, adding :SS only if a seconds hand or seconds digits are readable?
6:56
